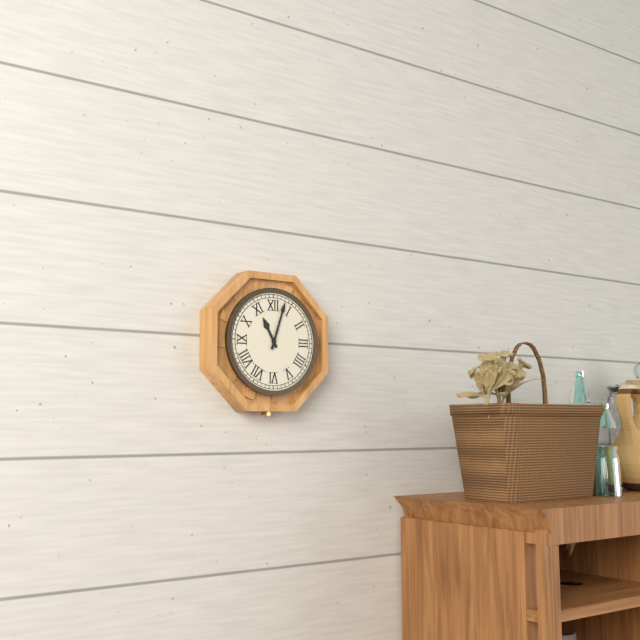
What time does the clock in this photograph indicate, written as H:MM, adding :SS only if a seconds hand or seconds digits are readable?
11:03
